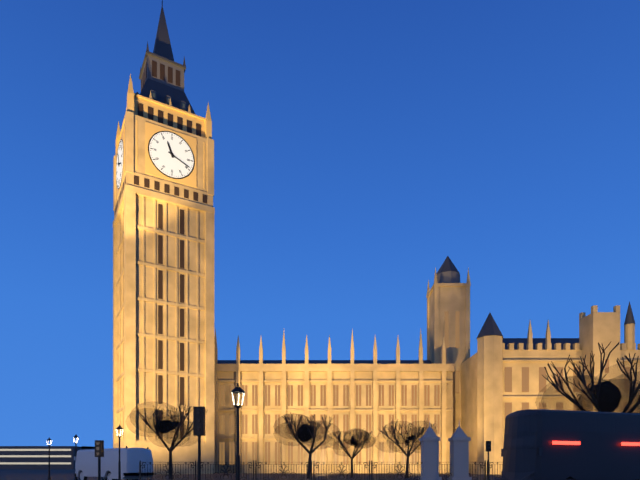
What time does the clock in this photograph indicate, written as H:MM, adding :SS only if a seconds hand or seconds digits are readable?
11:19
